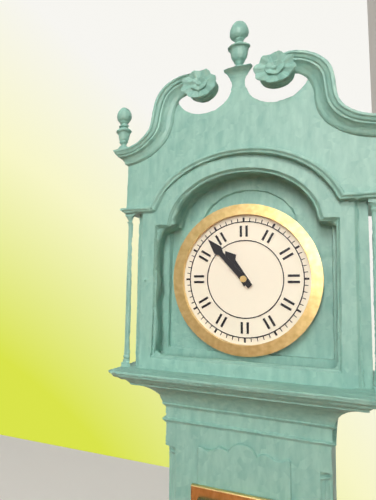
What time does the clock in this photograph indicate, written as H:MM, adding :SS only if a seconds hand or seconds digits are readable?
10:53
